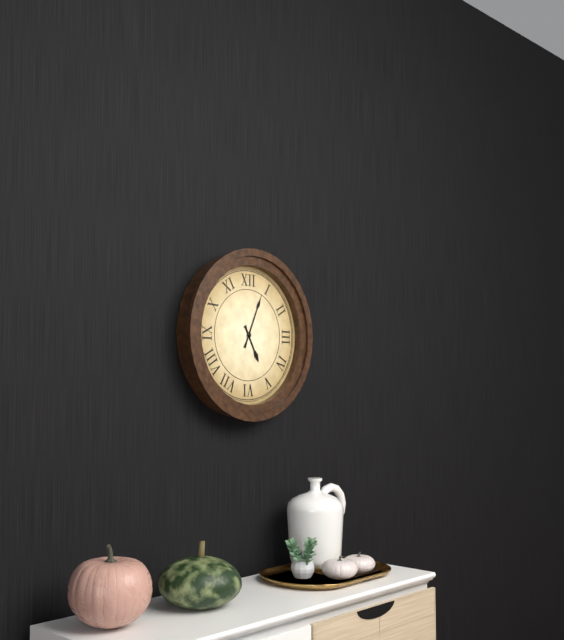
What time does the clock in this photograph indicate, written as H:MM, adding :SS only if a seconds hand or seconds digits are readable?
5:04
